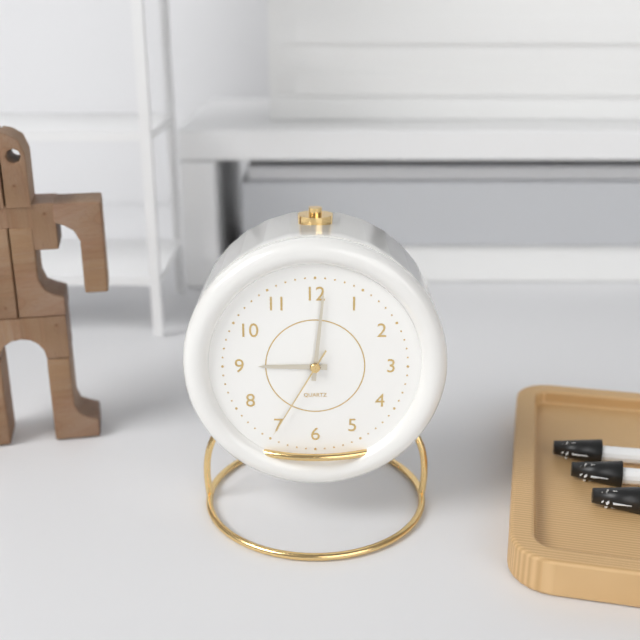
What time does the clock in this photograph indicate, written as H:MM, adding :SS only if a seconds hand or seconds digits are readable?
9:01:35
